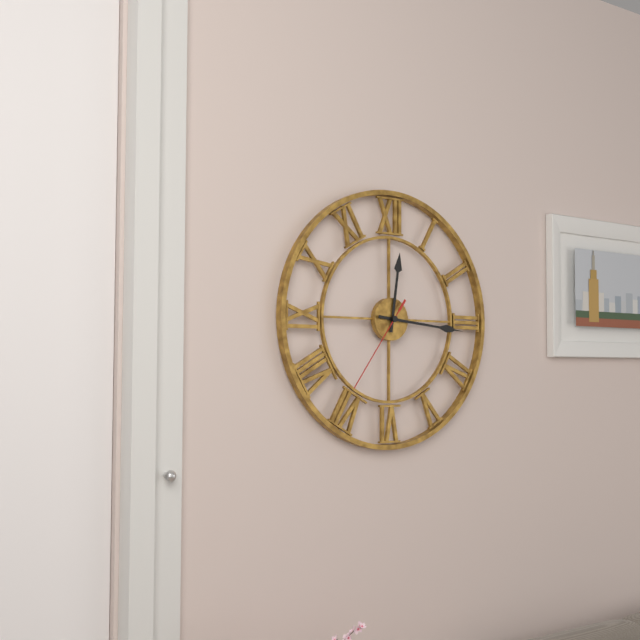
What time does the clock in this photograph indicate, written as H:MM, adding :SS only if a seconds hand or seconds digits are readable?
12:16:36
